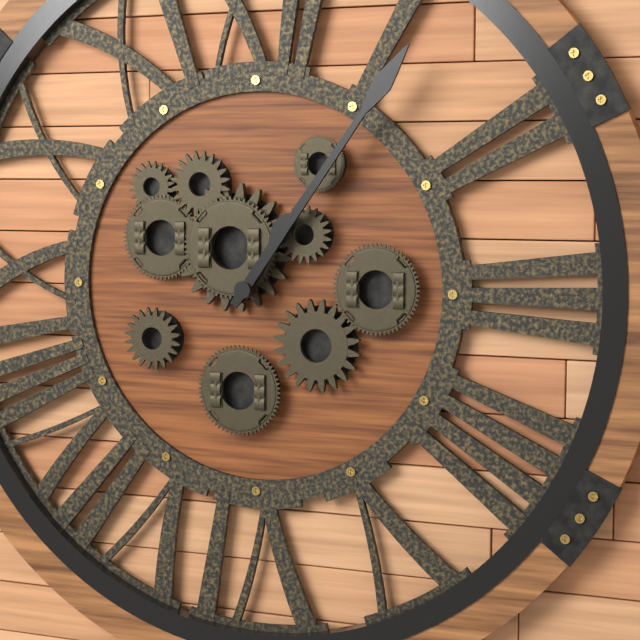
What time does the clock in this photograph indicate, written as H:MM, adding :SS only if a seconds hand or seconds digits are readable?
1:06
